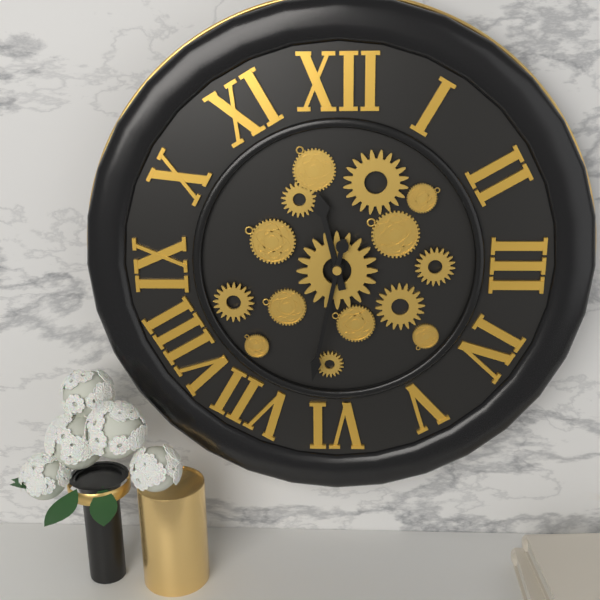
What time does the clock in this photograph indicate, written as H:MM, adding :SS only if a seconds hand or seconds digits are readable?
11:32
